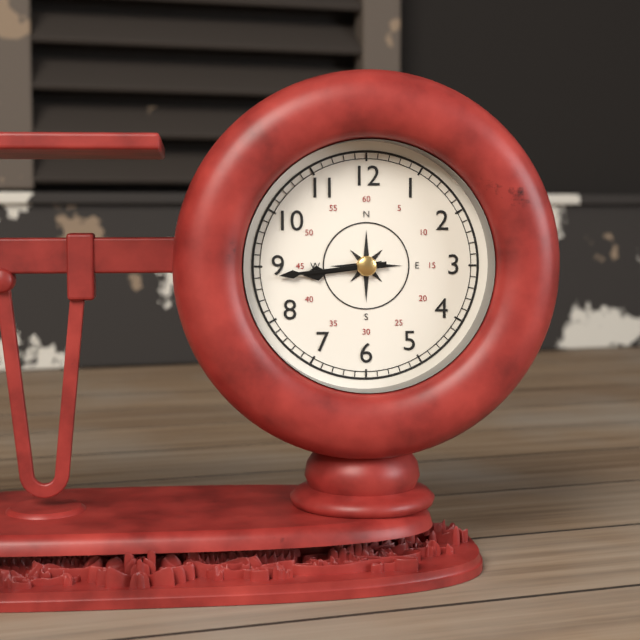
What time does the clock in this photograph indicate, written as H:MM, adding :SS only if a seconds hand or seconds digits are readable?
8:44
